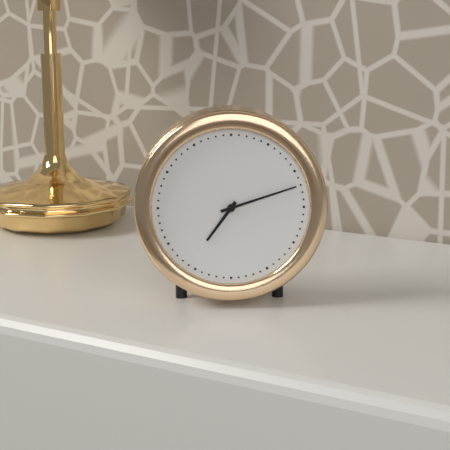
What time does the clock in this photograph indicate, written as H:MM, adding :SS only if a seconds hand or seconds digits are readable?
7:12
